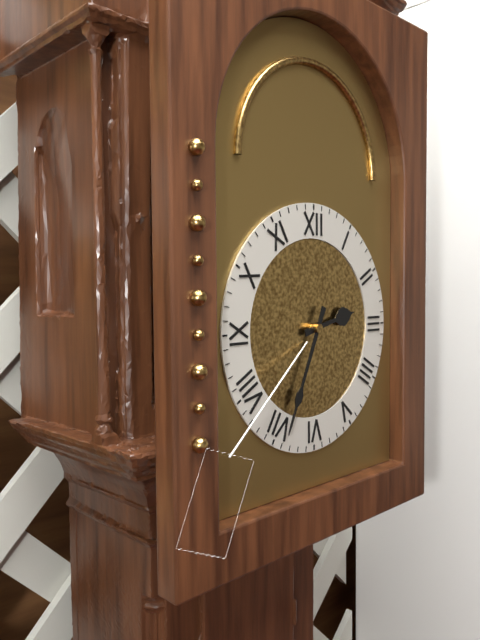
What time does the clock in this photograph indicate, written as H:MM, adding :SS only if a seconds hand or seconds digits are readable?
2:34
